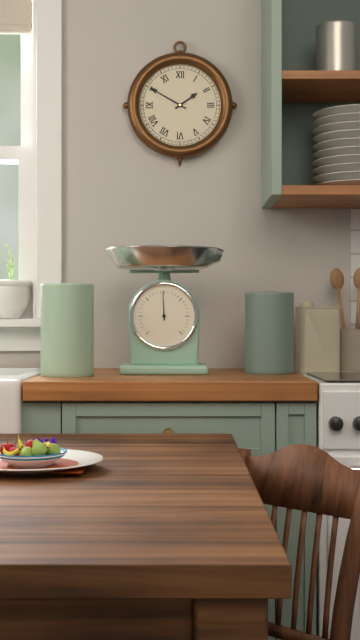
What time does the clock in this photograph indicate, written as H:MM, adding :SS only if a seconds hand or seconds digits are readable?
1:50
